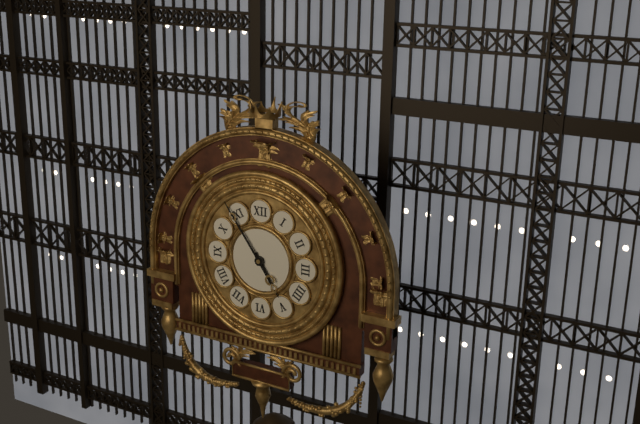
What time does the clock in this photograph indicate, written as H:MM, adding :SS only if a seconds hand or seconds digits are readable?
4:54
